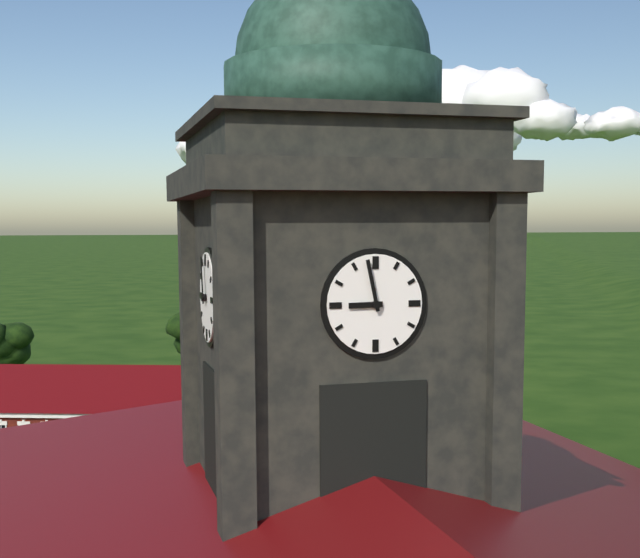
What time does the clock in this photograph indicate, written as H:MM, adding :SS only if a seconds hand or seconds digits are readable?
8:58
